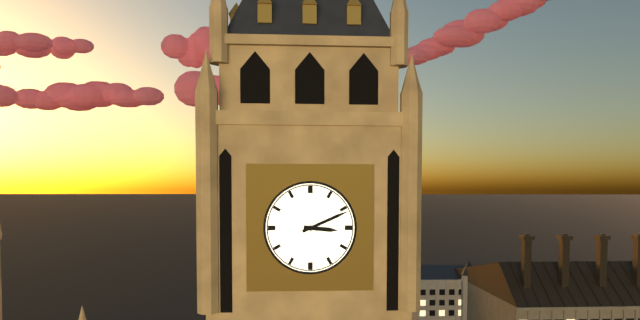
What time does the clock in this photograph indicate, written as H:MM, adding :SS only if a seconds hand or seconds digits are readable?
3:11
